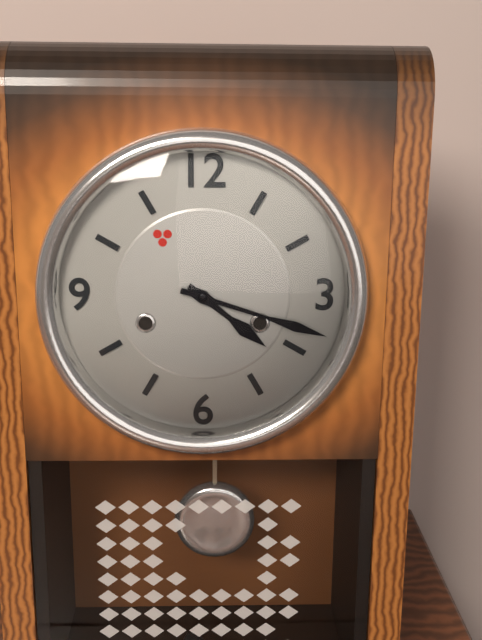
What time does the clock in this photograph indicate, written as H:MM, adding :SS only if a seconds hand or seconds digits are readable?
4:18
